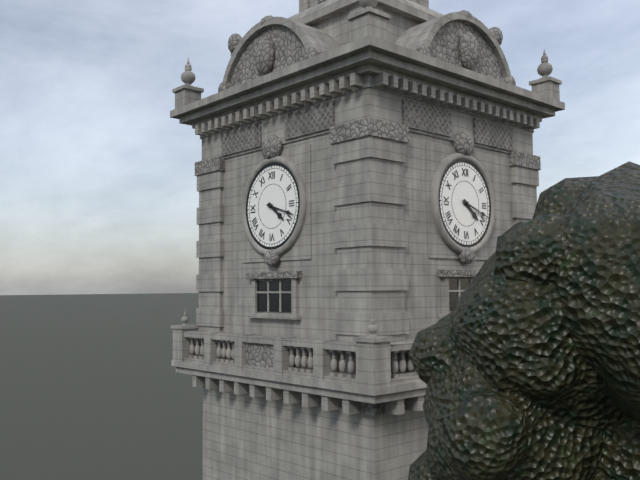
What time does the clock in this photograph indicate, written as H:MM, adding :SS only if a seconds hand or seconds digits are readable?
4:18
